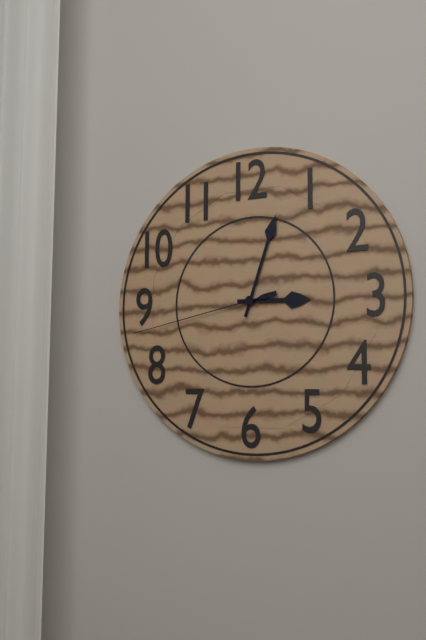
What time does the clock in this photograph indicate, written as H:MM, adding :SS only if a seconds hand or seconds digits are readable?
3:03:43
